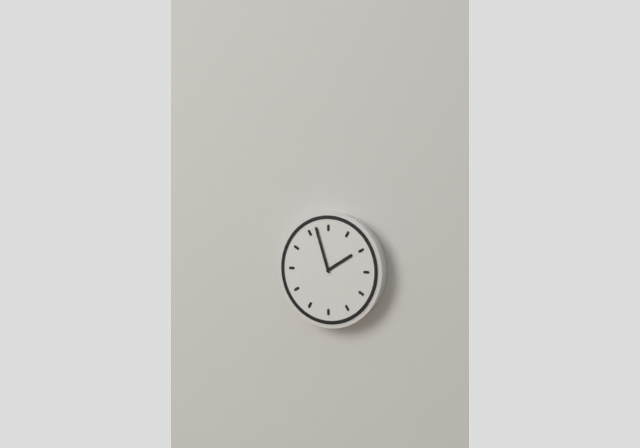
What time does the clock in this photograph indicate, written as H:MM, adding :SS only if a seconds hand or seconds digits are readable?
1:57
